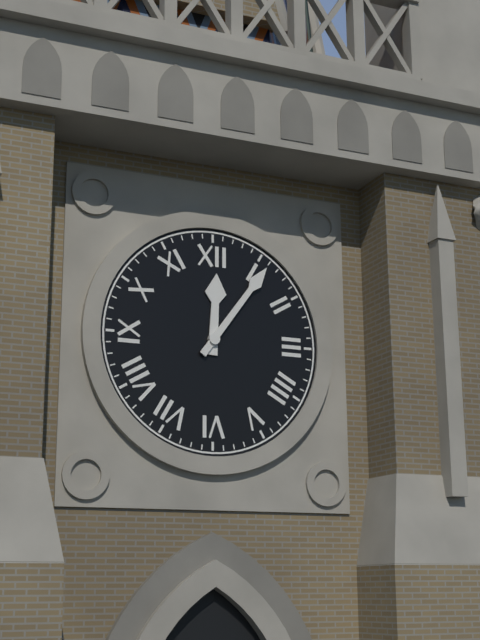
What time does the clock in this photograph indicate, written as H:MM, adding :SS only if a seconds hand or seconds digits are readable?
12:06
